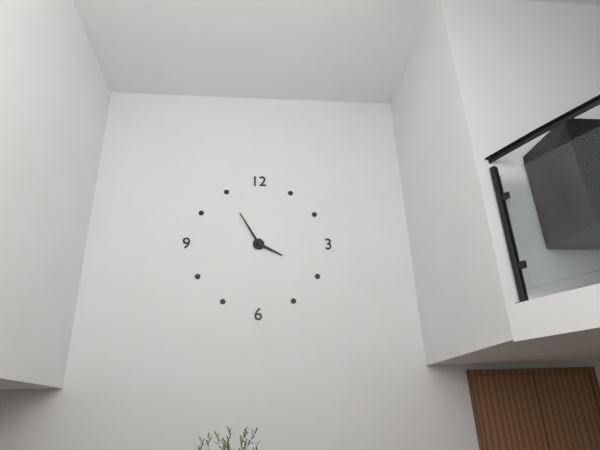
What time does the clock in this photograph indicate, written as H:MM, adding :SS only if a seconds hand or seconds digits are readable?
3:55
